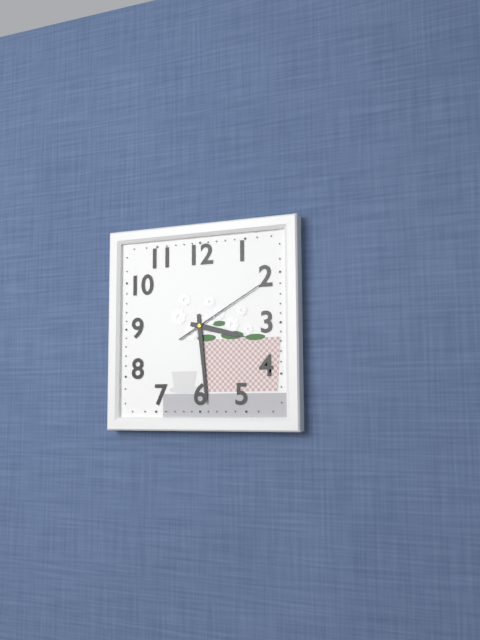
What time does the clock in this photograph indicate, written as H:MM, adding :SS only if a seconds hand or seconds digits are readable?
3:29:10
